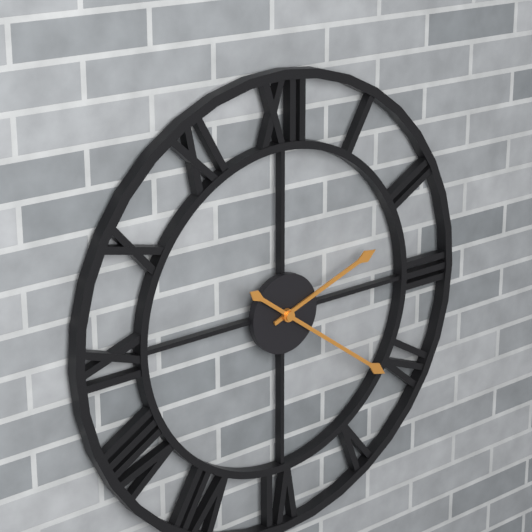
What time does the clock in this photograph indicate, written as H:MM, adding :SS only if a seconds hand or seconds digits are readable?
2:21
